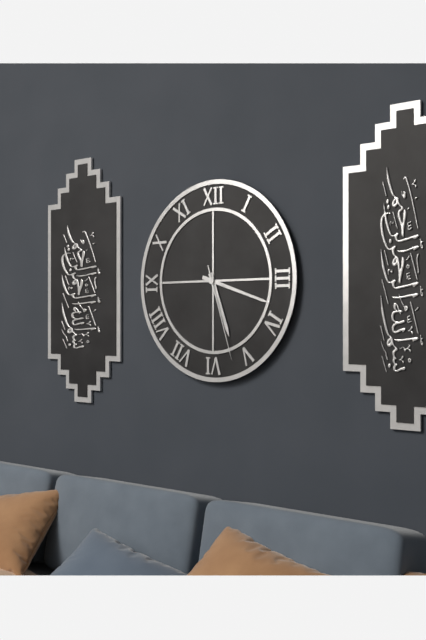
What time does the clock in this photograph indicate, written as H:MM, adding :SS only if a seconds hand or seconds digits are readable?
5:18:27
